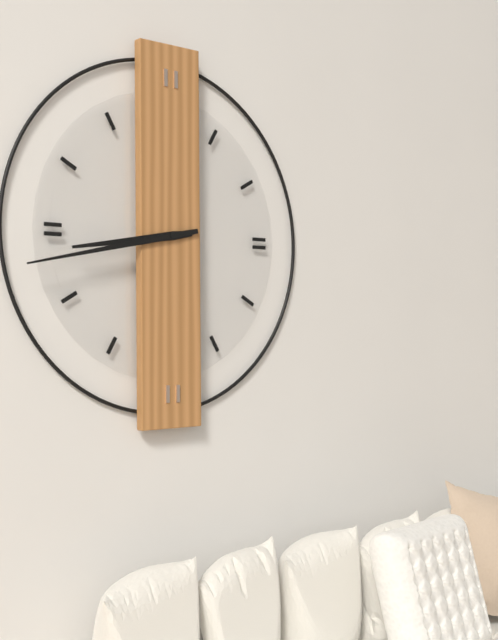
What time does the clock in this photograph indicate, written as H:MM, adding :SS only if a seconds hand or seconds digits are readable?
8:43
